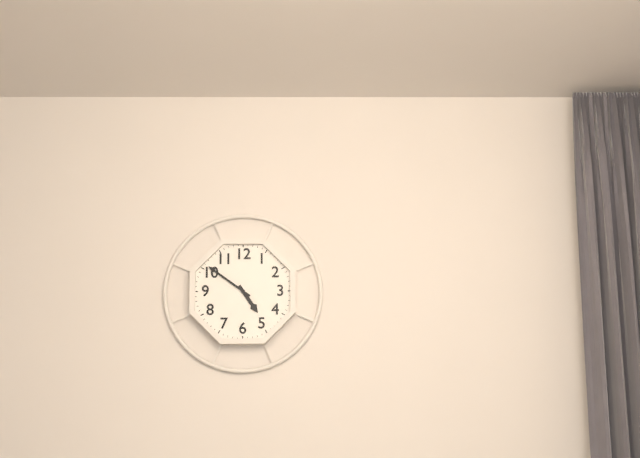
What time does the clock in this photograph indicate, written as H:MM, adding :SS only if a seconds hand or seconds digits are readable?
4:51
